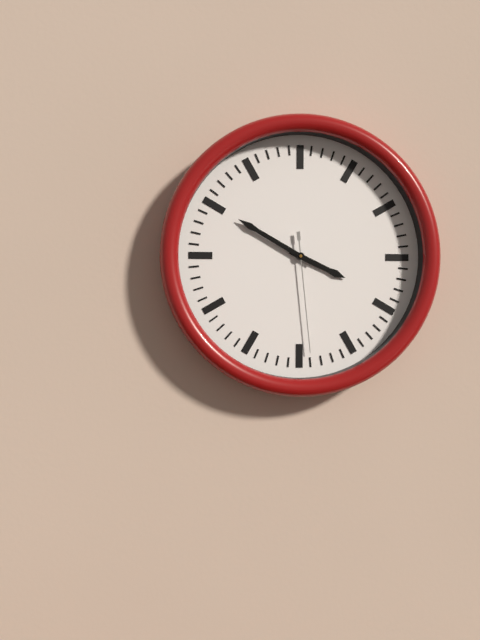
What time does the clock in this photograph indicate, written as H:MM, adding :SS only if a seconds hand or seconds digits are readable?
3:50:29
